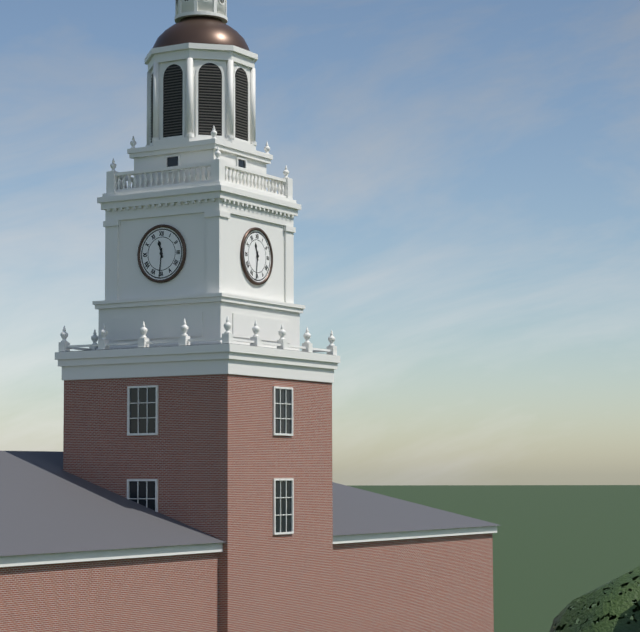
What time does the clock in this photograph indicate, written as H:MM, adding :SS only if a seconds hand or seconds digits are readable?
11:31
